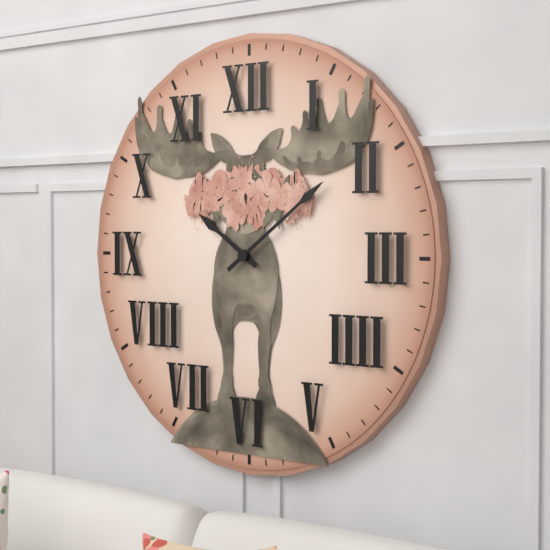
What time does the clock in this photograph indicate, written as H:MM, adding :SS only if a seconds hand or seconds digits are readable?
10:09
